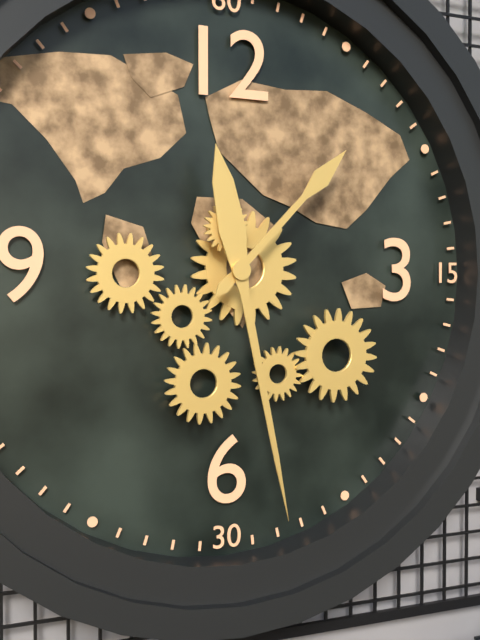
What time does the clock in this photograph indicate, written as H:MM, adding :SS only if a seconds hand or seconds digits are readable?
1:28
